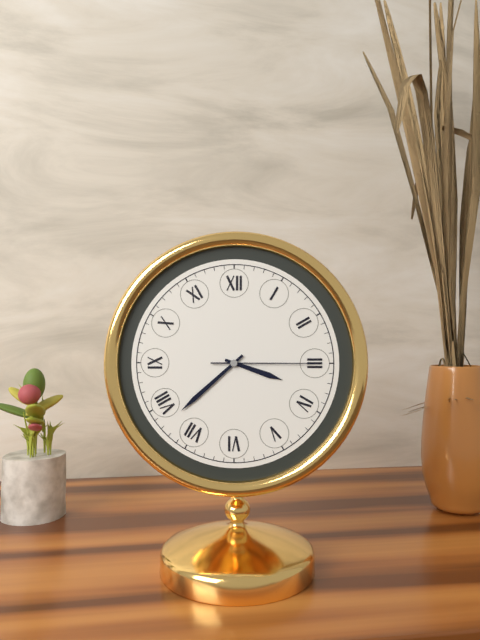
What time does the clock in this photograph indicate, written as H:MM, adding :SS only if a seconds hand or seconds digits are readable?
3:38:15
